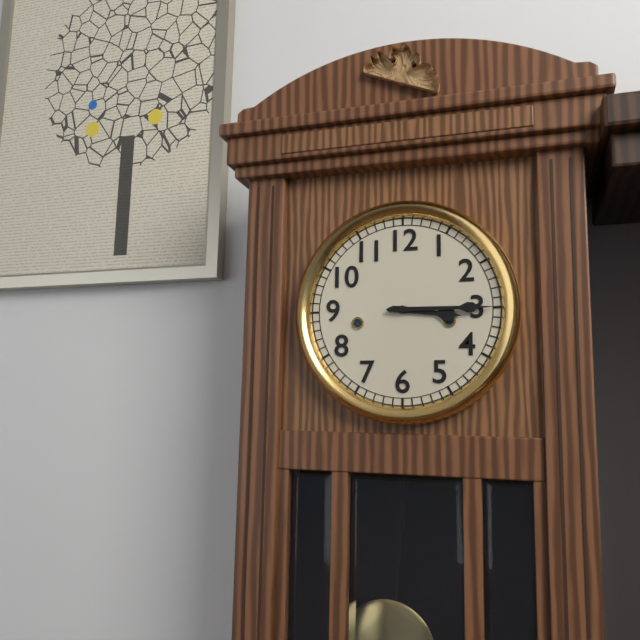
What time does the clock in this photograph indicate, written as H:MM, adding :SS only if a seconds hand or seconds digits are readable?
3:15
